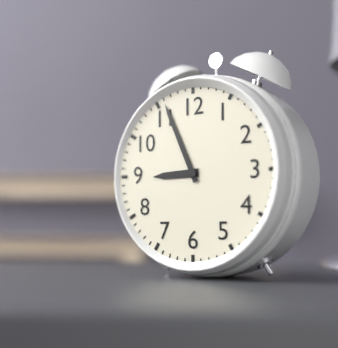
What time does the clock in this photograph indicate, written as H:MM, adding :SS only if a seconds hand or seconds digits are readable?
8:56
